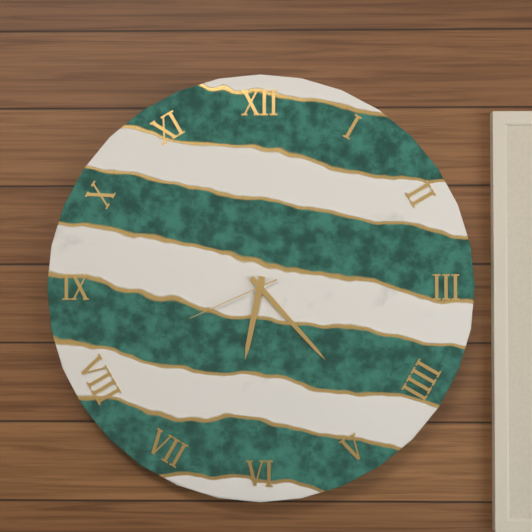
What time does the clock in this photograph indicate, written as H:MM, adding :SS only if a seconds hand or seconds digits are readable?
6:23:41
